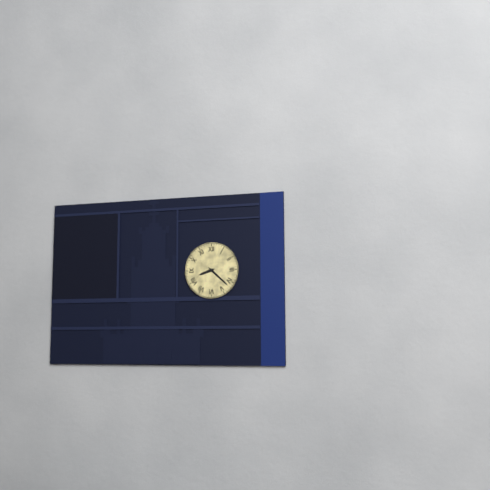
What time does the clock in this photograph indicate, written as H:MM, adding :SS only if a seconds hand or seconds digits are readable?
8:22
